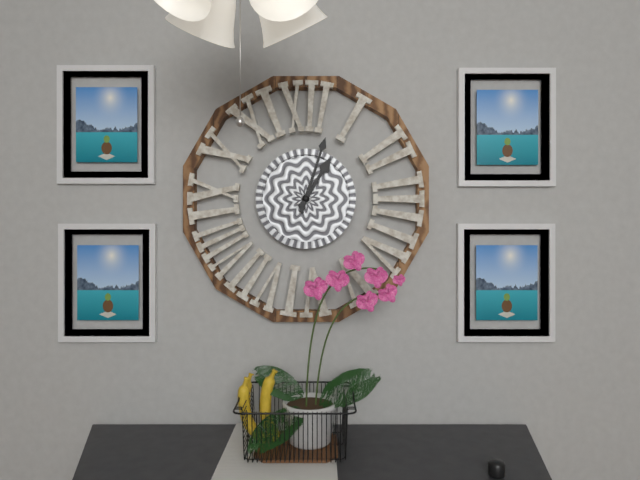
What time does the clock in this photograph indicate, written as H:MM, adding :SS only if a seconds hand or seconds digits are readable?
1:03
